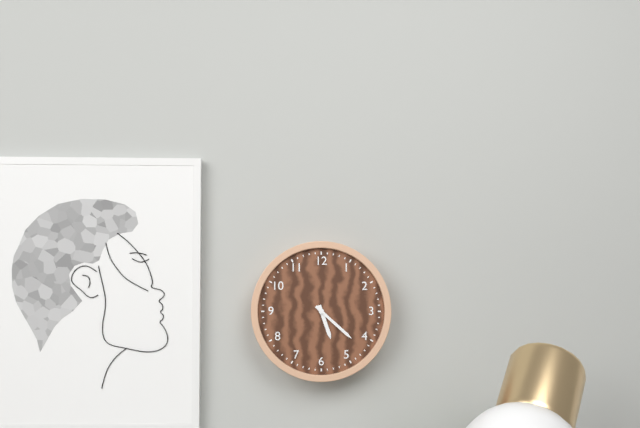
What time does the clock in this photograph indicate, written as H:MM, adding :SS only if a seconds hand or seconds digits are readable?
5:22
